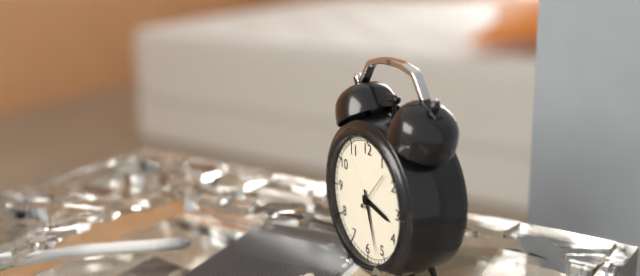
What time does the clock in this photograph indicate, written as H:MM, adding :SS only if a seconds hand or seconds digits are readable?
3:27
